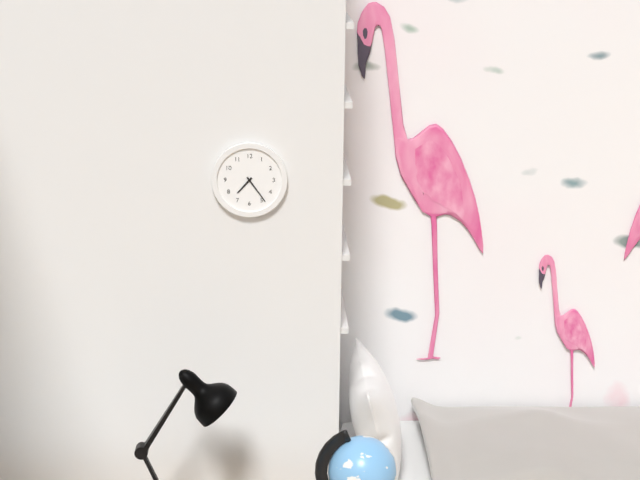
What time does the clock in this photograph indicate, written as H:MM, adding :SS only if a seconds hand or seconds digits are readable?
7:24
